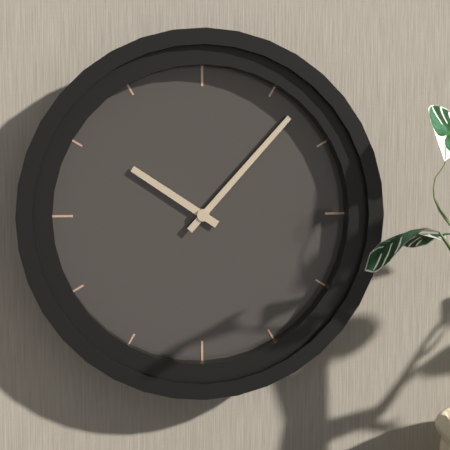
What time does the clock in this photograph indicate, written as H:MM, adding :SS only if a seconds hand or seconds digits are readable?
10:07
